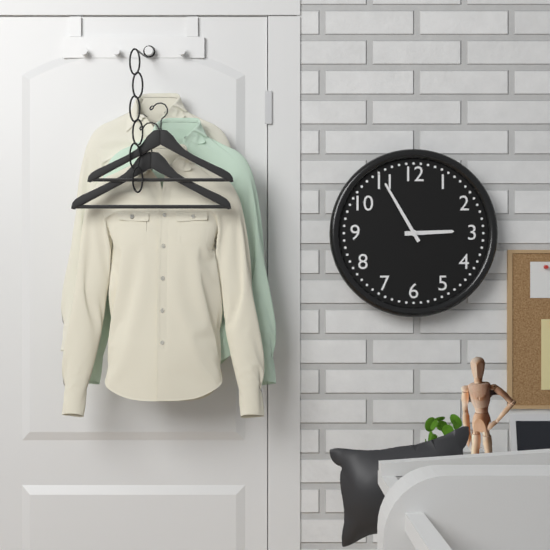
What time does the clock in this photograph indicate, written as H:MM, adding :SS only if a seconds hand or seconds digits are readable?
2:55
